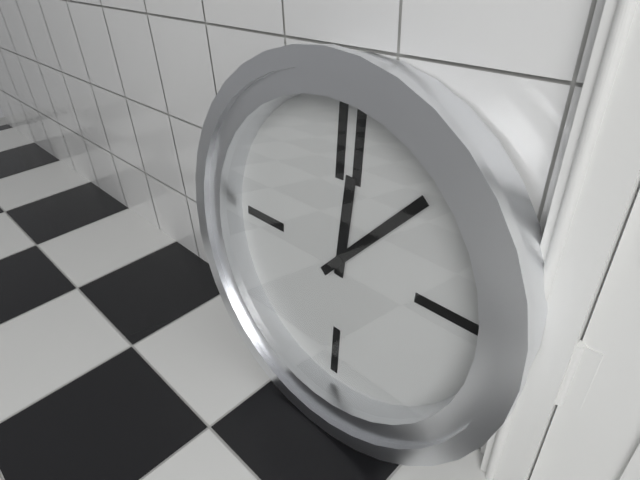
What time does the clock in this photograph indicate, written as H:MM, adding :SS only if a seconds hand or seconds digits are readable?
12:07
